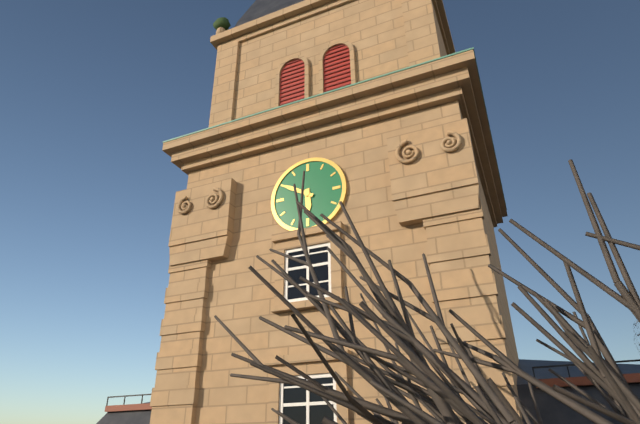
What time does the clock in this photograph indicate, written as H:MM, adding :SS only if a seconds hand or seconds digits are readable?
5:50
